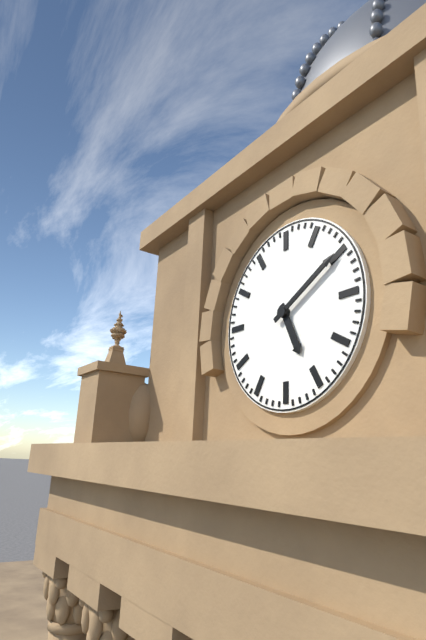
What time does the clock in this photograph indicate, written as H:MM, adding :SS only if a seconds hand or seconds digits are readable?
5:10
